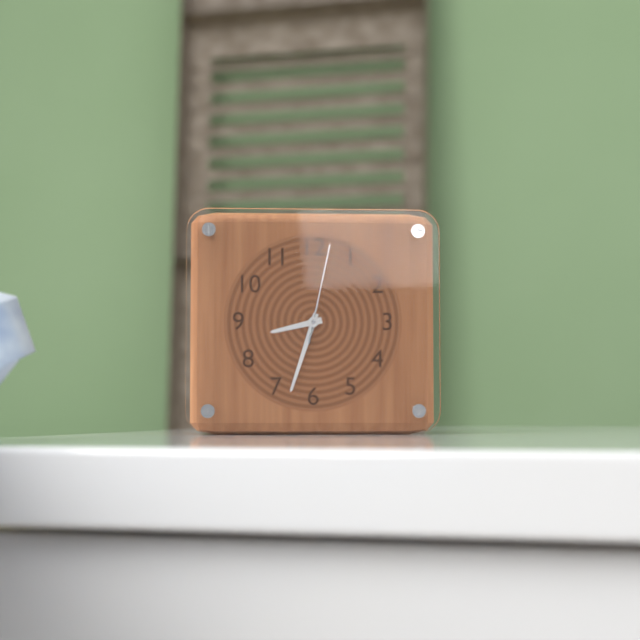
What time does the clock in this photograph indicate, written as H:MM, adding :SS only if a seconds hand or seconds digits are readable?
8:33:02
